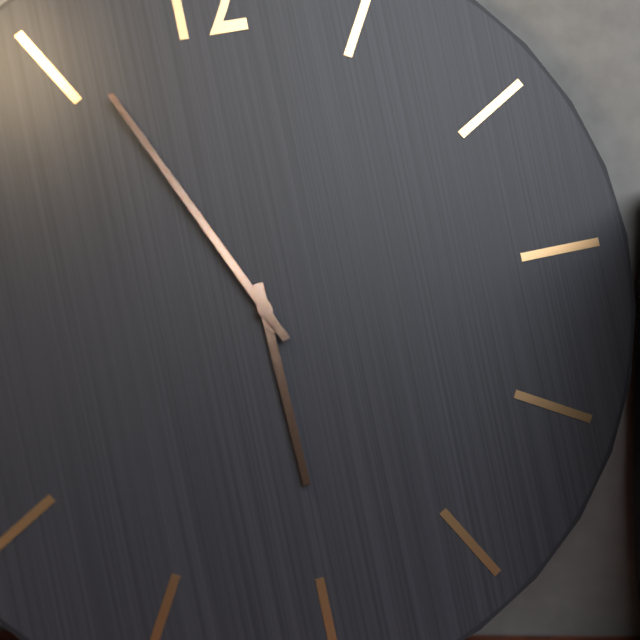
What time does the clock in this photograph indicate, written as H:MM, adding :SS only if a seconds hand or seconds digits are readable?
5:56
